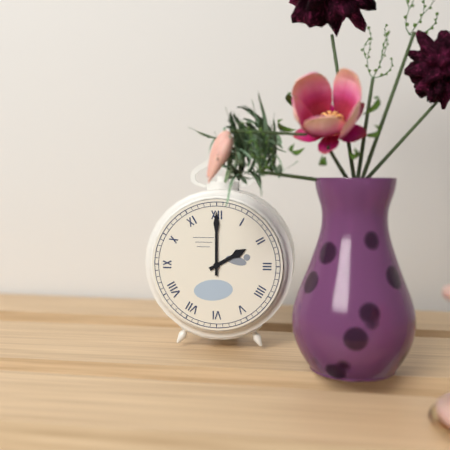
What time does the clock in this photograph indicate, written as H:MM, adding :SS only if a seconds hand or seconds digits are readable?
2:00
